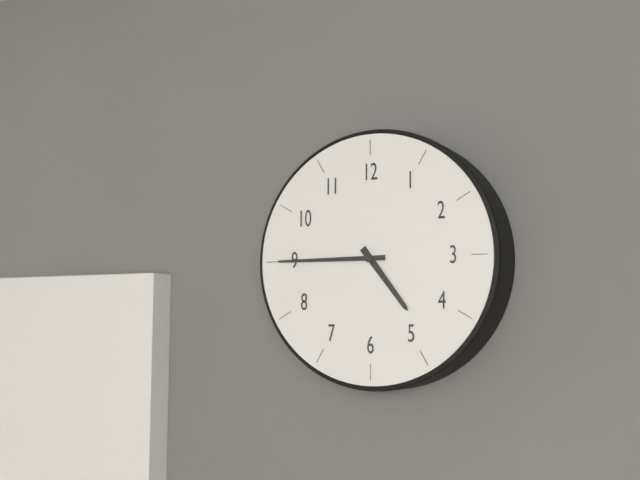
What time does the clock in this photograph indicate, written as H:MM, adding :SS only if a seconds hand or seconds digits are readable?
4:45
